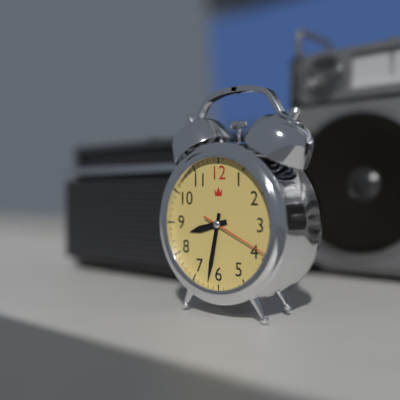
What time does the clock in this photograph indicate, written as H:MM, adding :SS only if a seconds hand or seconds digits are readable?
8:32:19
